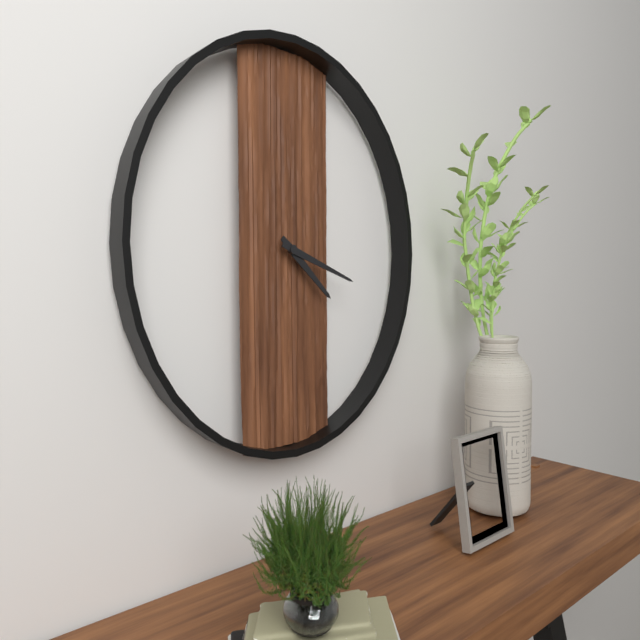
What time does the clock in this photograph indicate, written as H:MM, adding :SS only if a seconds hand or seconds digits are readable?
4:18
